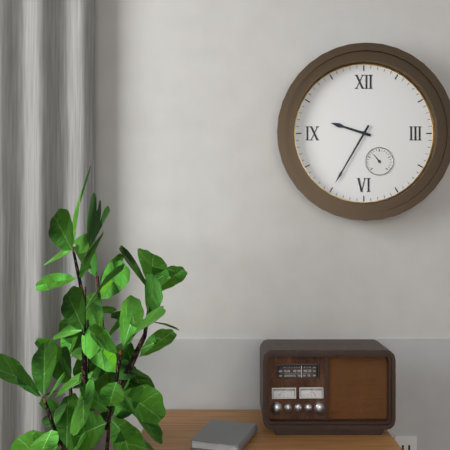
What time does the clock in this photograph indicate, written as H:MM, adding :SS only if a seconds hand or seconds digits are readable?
9:35
